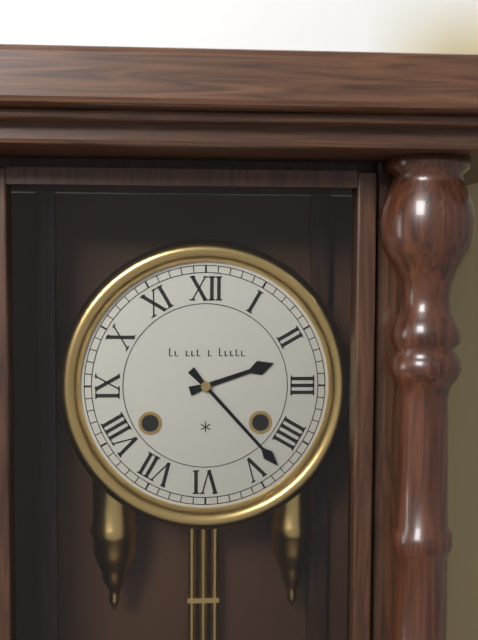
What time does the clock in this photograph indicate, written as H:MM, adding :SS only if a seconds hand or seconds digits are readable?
2:23
